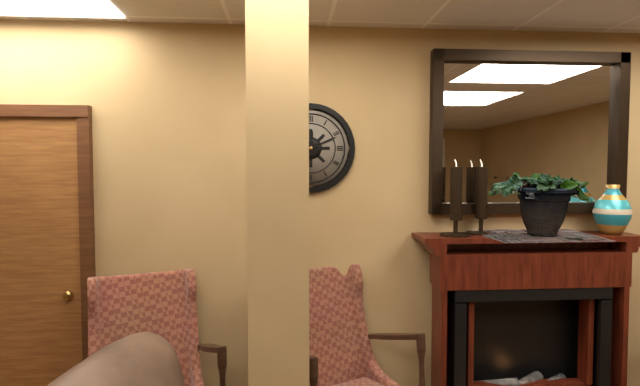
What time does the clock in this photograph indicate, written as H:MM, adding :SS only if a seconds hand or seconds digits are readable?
12:11
